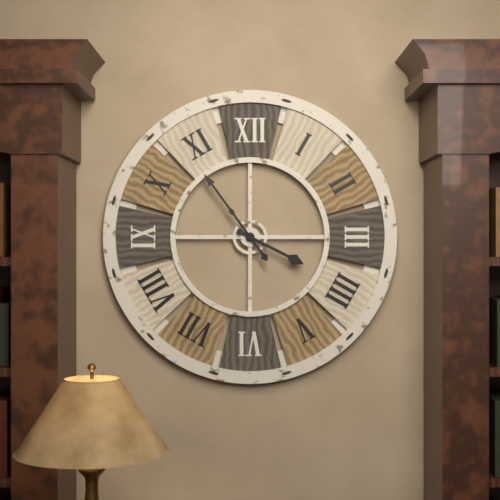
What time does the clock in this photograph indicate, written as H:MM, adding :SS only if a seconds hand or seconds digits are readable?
3:54
